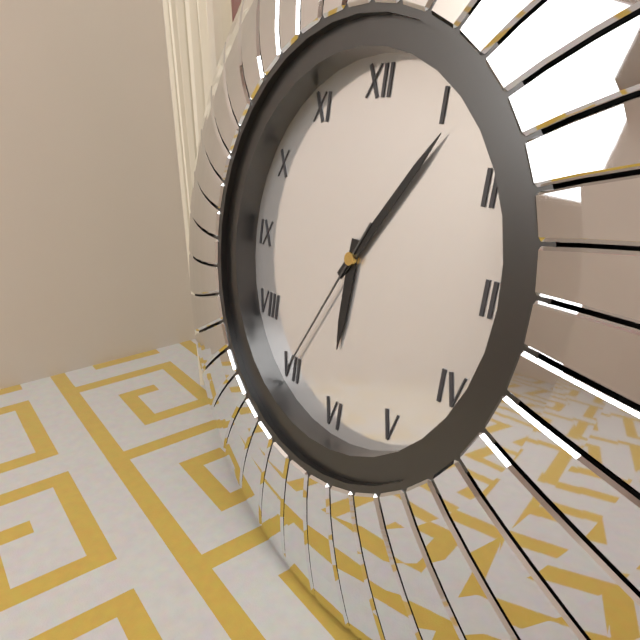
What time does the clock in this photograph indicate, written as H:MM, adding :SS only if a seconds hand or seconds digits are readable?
6:06:35
